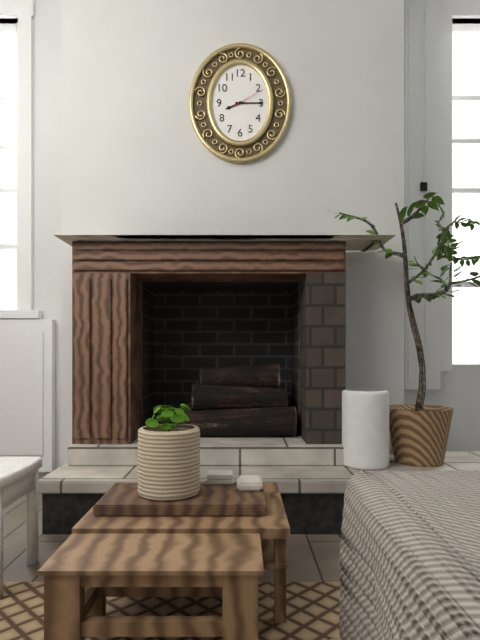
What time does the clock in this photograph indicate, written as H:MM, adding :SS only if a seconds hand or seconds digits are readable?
8:15
